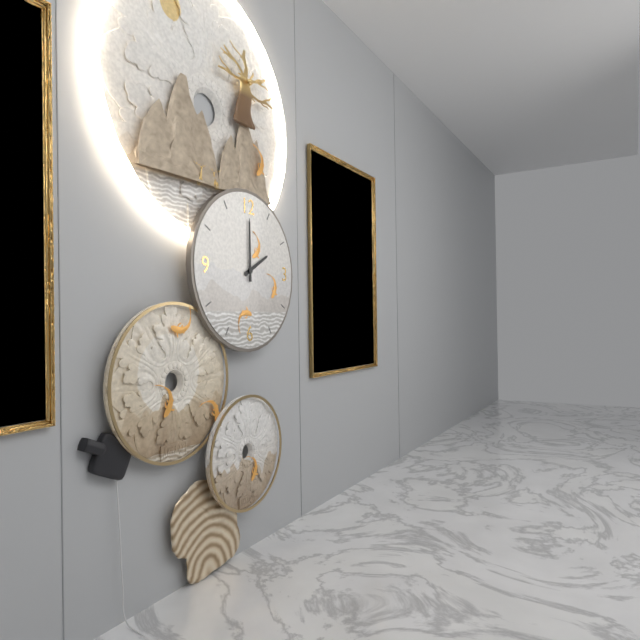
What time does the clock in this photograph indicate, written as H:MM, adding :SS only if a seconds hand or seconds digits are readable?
2:00
